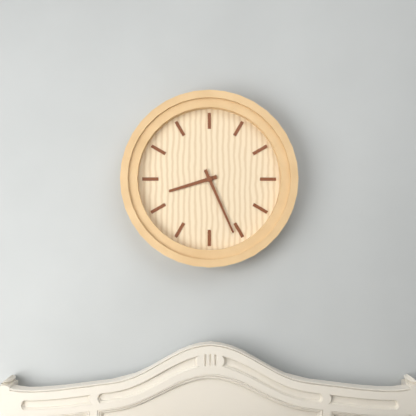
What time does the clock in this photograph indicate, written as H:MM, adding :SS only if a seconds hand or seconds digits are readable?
8:26
